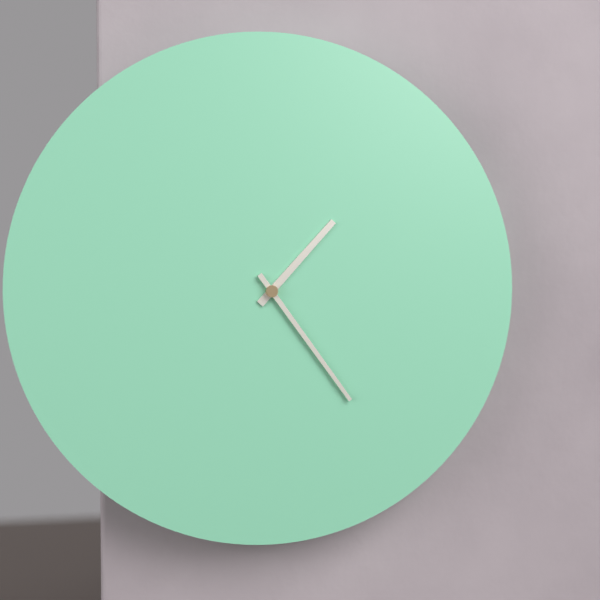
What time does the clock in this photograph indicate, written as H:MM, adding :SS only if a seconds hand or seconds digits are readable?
1:24
